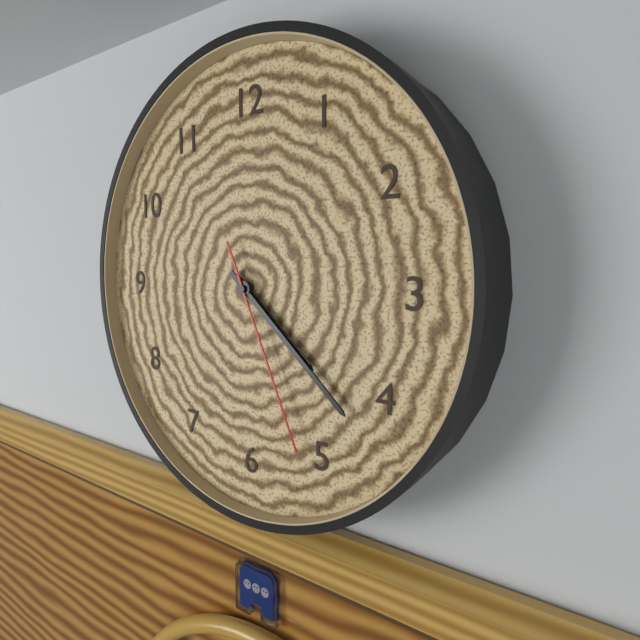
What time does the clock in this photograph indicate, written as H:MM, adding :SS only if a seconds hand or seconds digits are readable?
4:22:26
